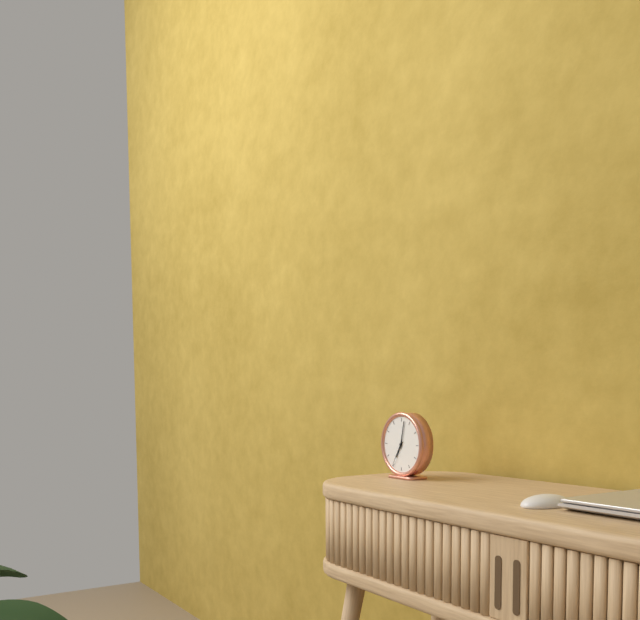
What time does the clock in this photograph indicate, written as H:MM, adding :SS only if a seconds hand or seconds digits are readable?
7:02
